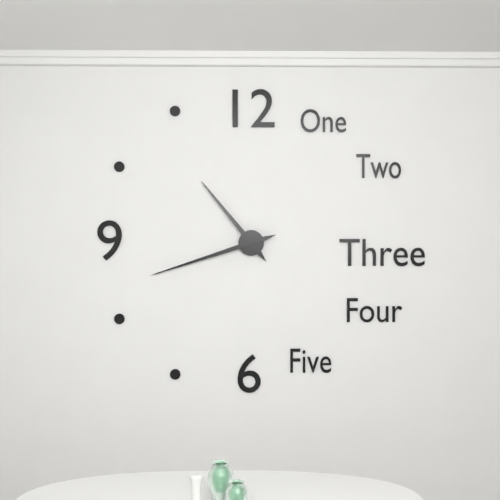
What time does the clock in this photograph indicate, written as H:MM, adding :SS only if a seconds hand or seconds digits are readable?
10:42
